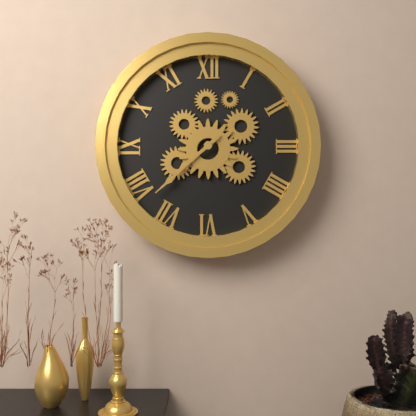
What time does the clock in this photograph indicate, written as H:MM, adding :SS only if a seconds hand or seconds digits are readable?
7:38
